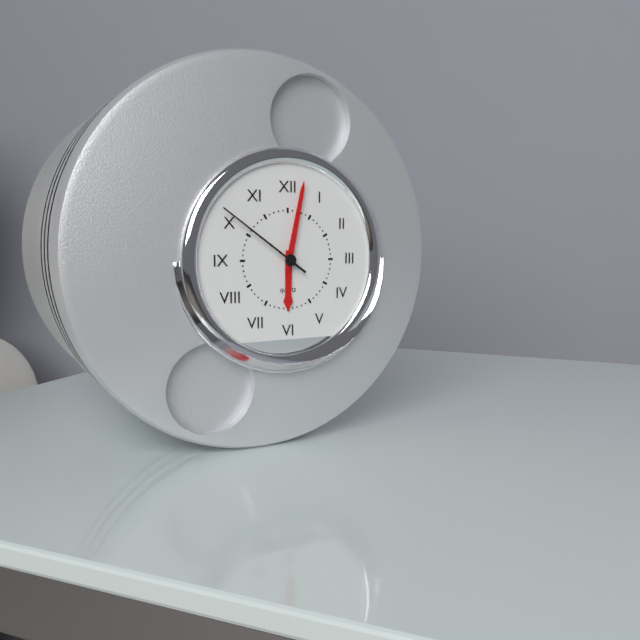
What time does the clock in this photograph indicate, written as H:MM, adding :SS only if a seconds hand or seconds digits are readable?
6:02:51
